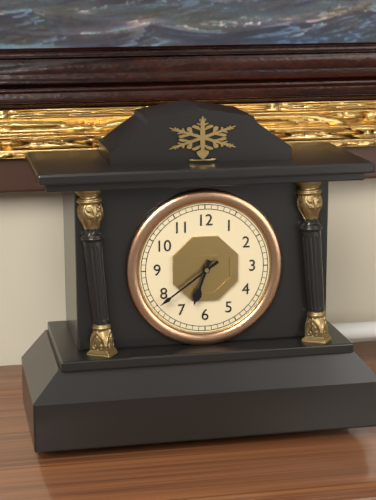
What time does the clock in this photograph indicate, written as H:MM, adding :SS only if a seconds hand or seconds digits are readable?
6:39
